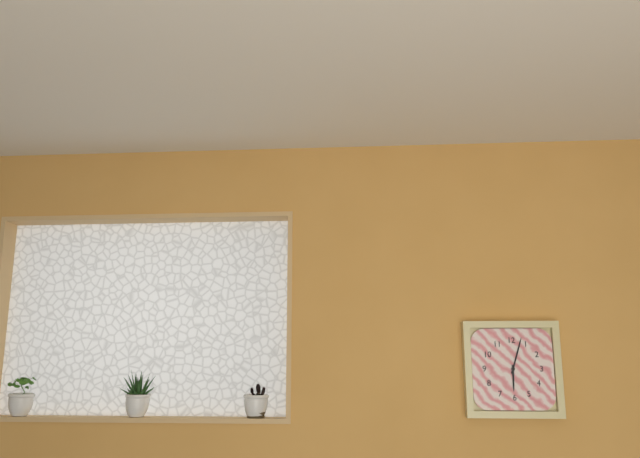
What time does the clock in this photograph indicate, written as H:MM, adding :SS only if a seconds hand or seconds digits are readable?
6:03
